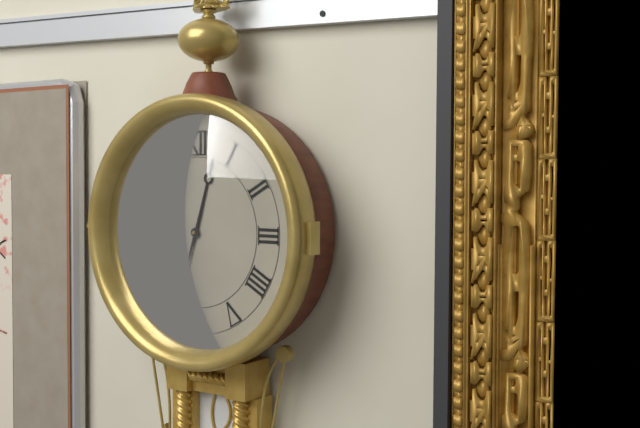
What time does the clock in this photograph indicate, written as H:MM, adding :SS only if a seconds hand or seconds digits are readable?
12:33
